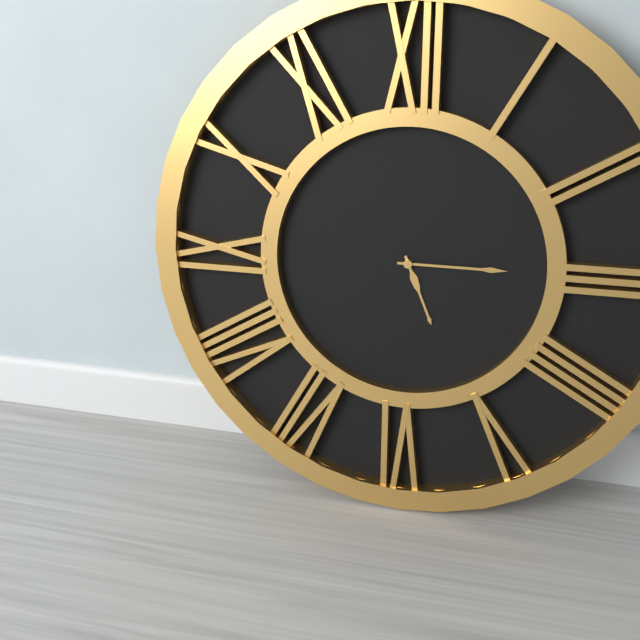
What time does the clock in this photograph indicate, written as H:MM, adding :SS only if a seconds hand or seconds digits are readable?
5:15
